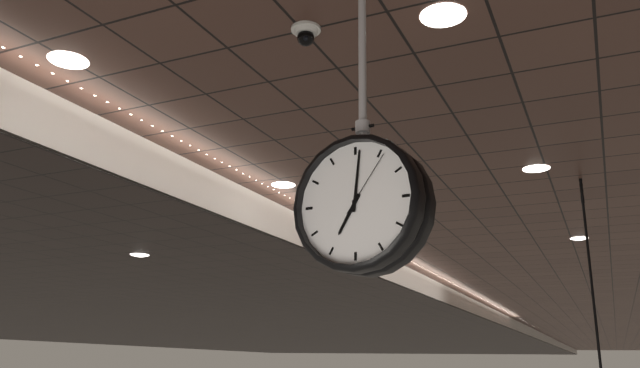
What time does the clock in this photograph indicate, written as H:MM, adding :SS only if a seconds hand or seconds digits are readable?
7:01:06
